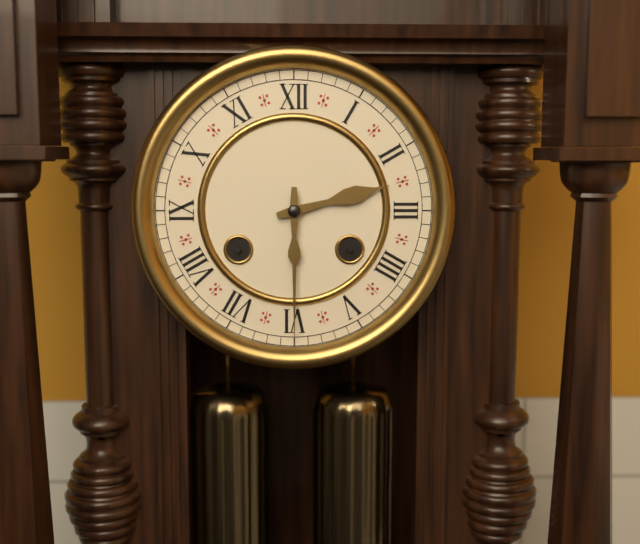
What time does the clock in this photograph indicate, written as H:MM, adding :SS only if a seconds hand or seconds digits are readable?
2:30
